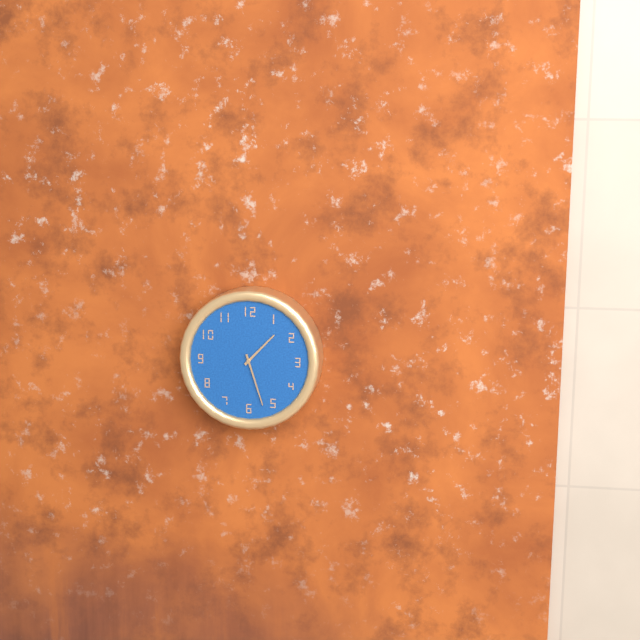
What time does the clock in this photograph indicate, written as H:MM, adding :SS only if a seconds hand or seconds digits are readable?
1:27
